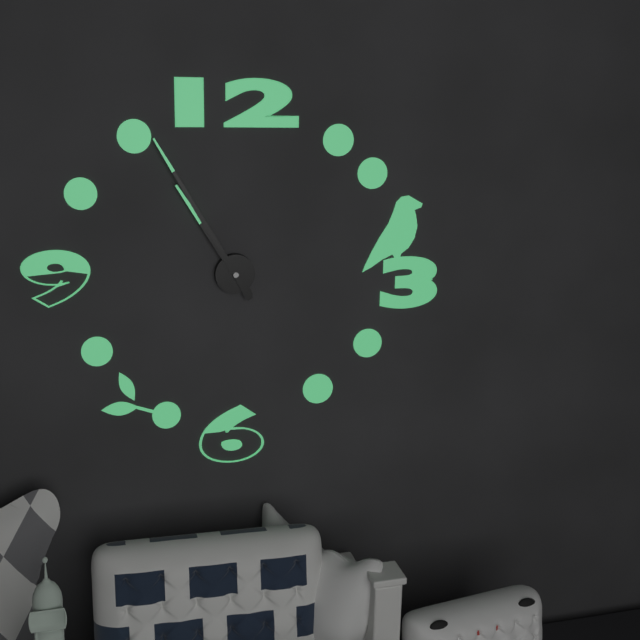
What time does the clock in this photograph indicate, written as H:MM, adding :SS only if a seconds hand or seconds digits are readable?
10:55
